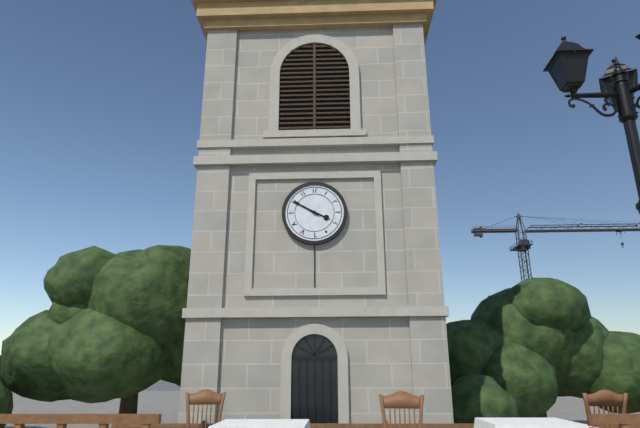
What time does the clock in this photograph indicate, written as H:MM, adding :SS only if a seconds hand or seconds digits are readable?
3:50
